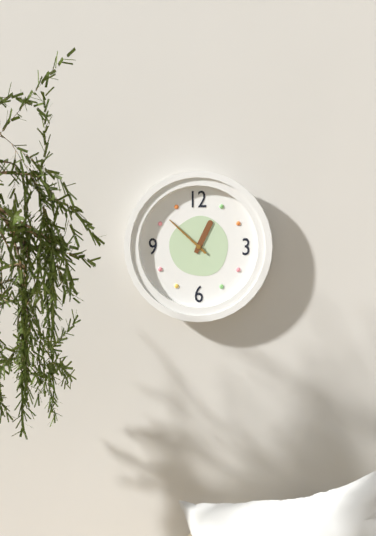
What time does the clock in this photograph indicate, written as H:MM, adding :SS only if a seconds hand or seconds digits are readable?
12:52
